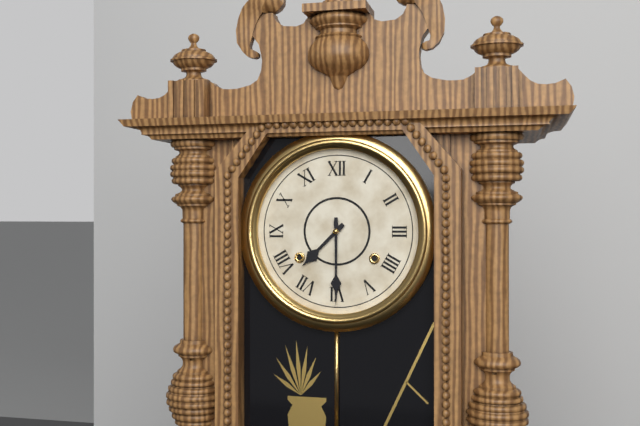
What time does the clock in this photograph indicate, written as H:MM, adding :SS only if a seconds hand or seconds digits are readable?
7:30
